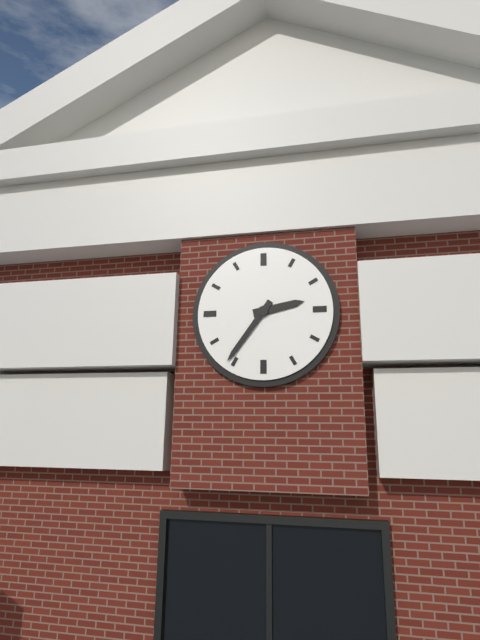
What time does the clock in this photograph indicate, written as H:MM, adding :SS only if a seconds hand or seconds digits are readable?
2:36
